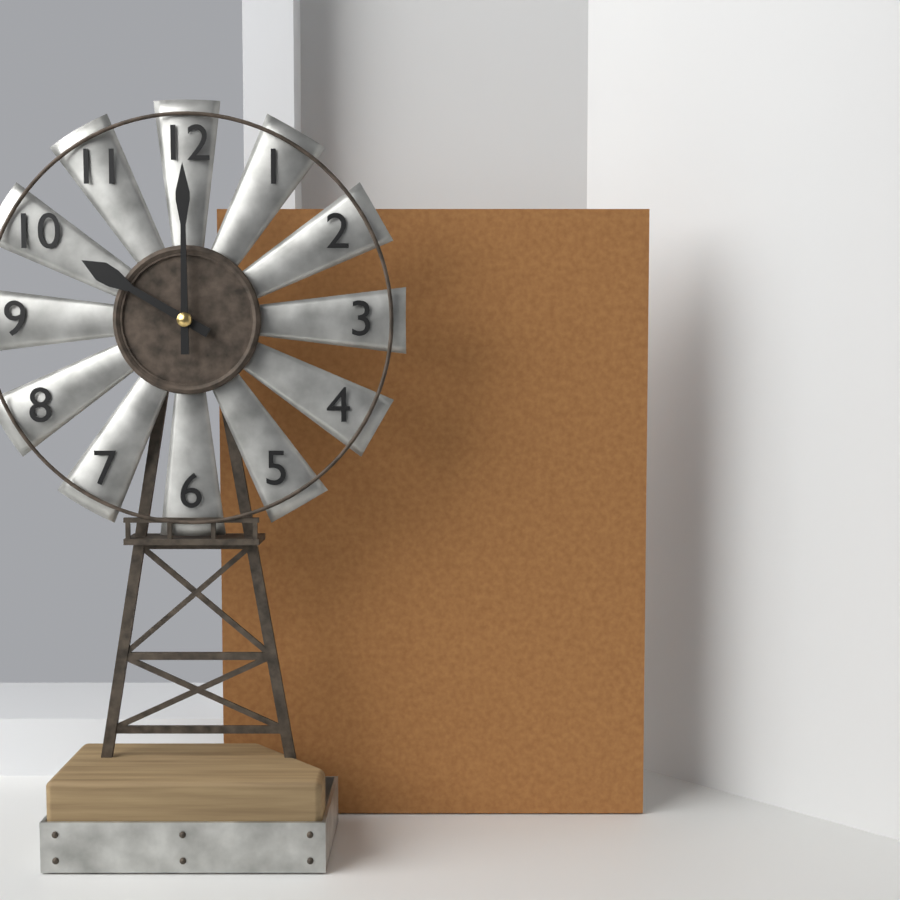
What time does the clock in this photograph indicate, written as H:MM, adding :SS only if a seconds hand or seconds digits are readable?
10:00
